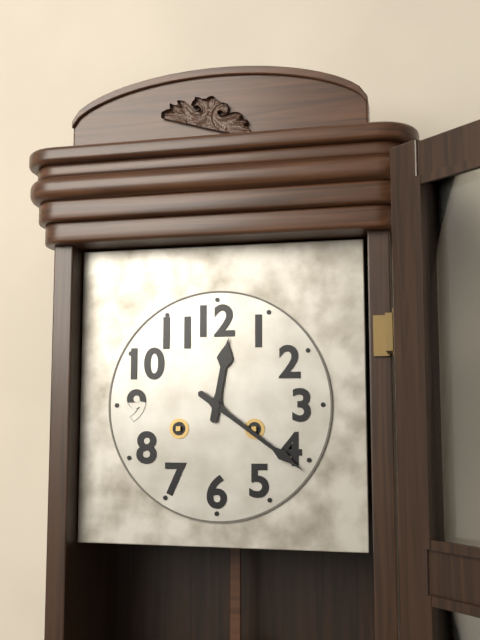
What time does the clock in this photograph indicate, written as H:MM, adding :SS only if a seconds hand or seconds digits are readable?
12:21
